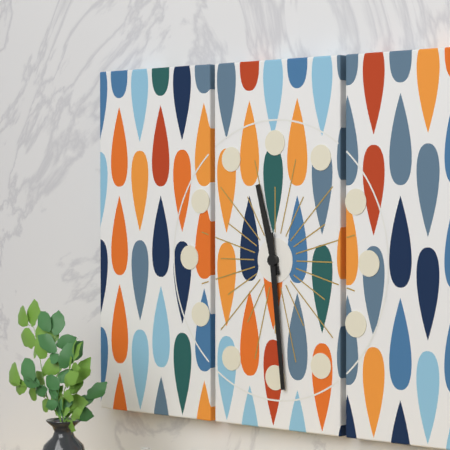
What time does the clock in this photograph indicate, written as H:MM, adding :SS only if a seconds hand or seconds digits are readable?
11:29
